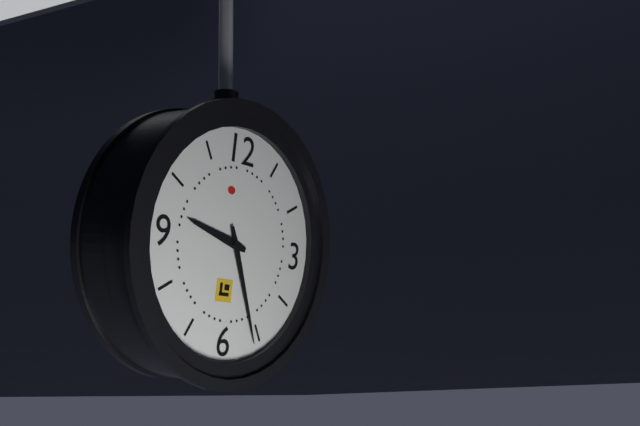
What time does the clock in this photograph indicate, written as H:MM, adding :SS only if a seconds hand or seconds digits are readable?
9:26
